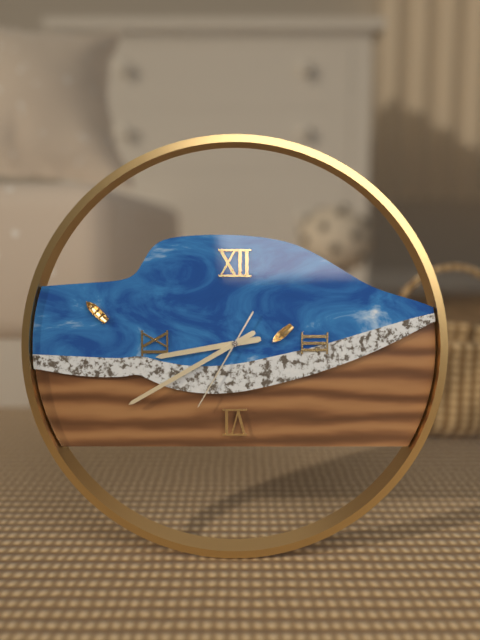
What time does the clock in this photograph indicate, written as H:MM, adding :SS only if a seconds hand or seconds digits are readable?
8:40:35
